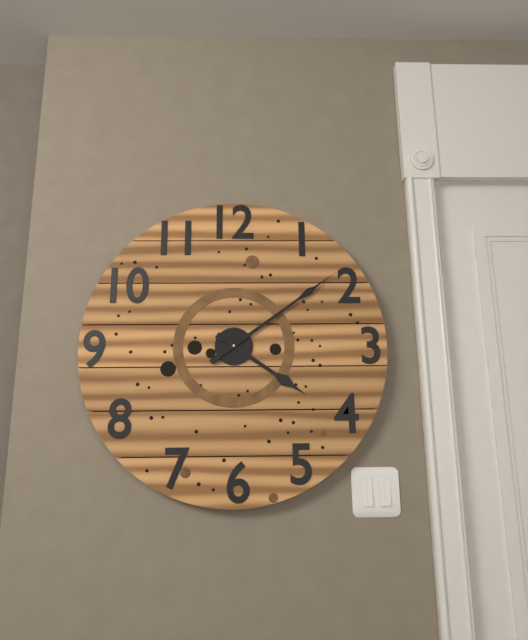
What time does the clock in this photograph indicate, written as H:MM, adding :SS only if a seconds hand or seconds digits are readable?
4:09
